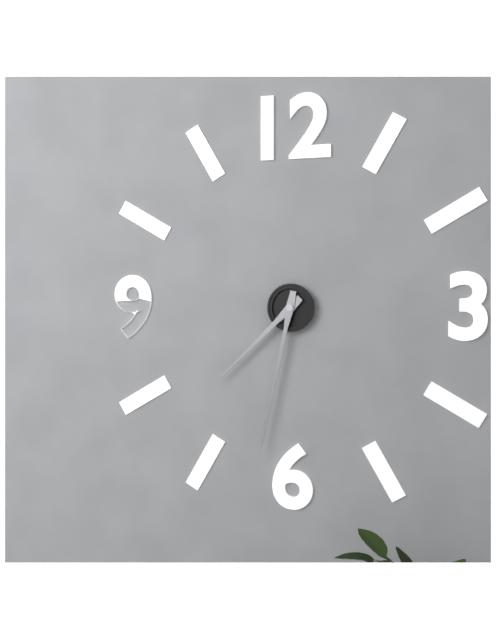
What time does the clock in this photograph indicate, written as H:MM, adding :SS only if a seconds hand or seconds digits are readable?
7:32
